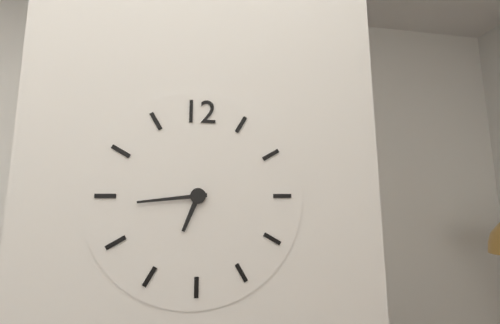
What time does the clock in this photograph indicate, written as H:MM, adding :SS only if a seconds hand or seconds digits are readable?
6:44
